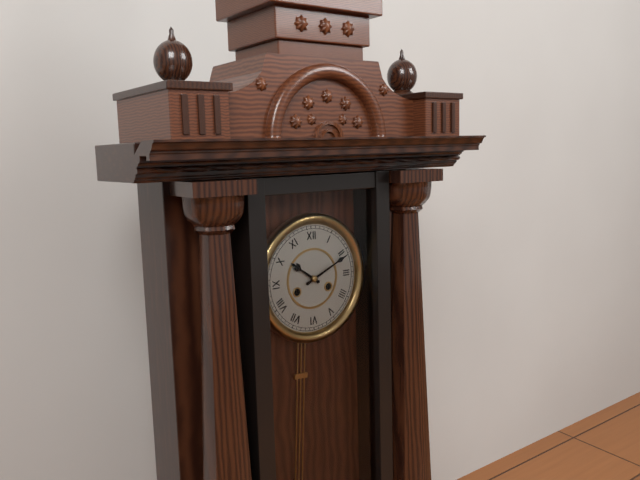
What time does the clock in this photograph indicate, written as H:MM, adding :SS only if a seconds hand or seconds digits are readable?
10:11
